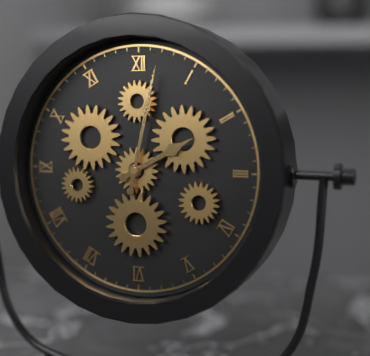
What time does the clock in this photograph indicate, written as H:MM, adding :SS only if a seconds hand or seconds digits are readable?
2:02
